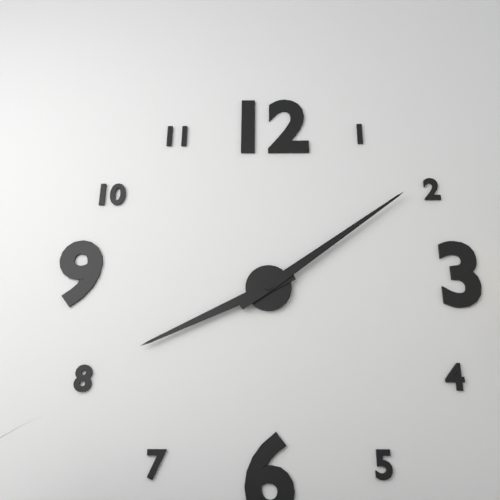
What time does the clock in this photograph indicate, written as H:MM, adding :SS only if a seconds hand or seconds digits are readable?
8:09
